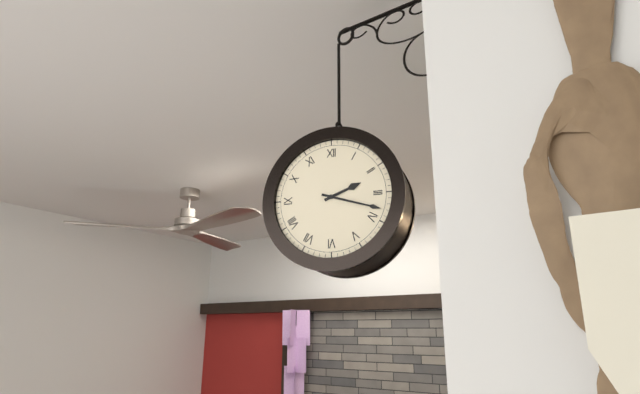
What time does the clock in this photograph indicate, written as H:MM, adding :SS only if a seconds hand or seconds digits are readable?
2:18
